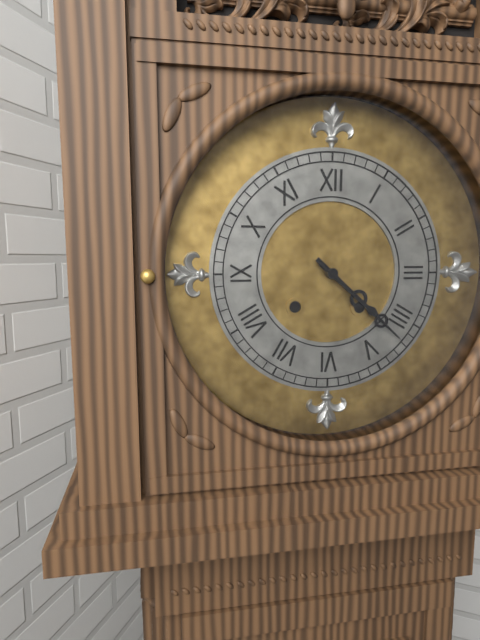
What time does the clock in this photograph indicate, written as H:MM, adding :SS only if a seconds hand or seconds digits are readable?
4:22
